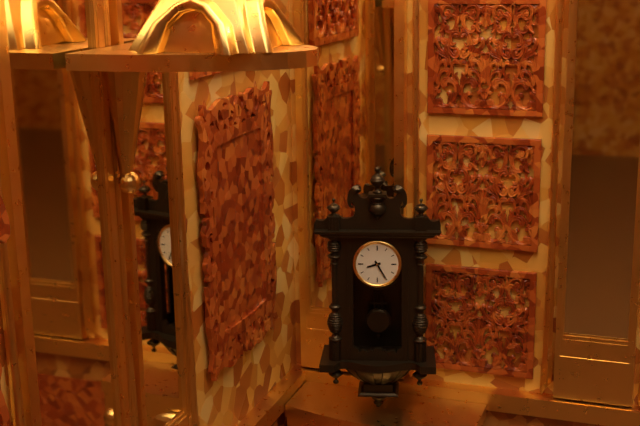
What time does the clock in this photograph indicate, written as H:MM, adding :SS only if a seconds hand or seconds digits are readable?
8:25
